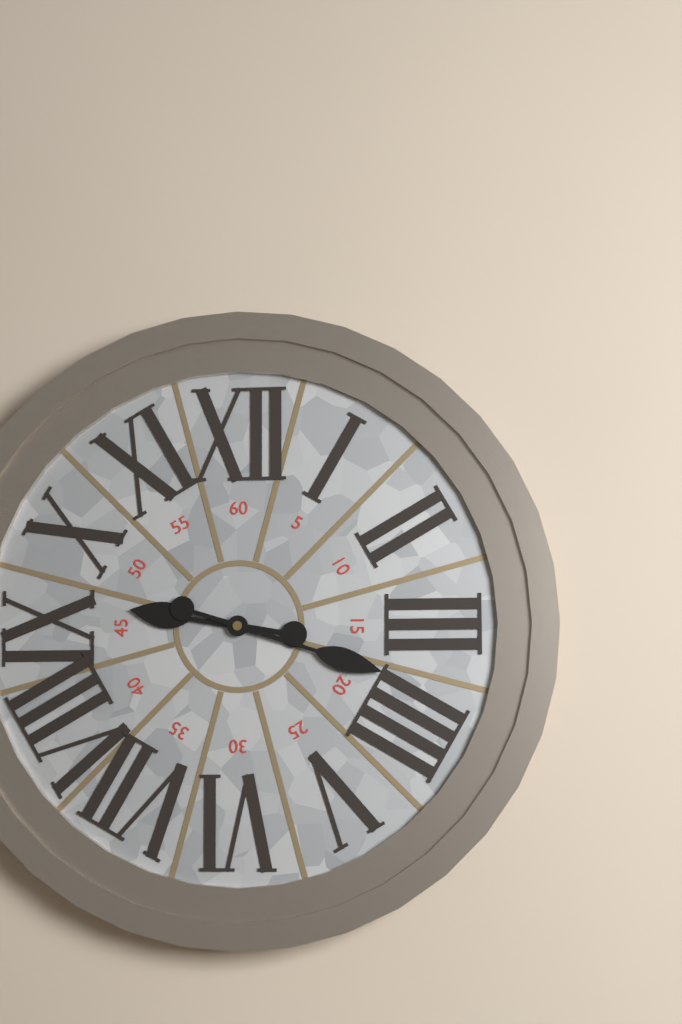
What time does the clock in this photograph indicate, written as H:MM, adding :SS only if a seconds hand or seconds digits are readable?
9:18
